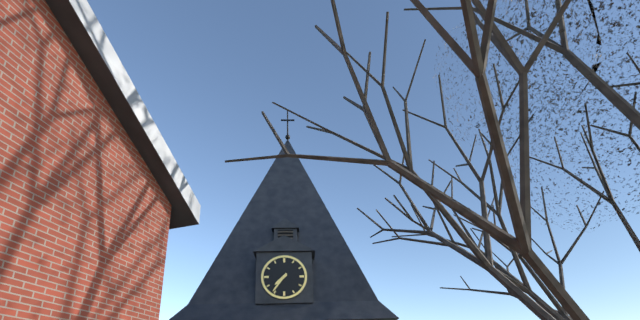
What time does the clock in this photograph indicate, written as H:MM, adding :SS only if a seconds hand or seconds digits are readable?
7:36
